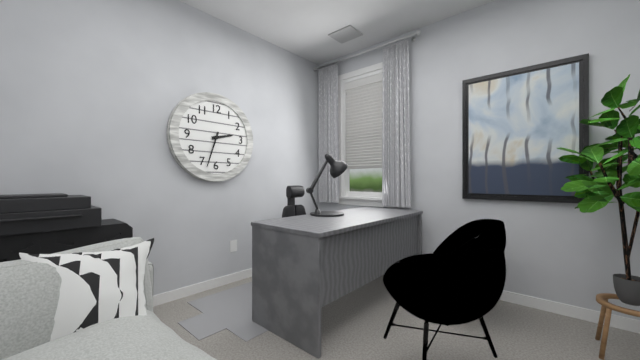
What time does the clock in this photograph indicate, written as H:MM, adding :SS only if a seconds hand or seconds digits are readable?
2:33
